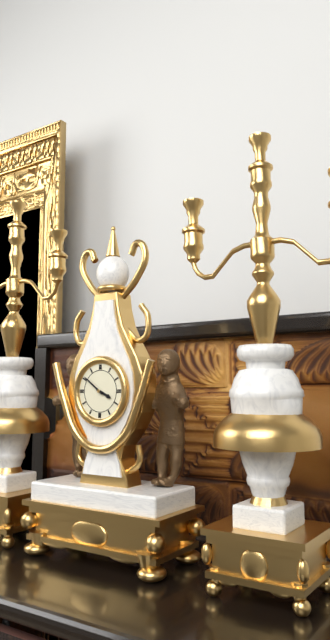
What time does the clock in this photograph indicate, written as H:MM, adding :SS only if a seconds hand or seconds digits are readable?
3:51
